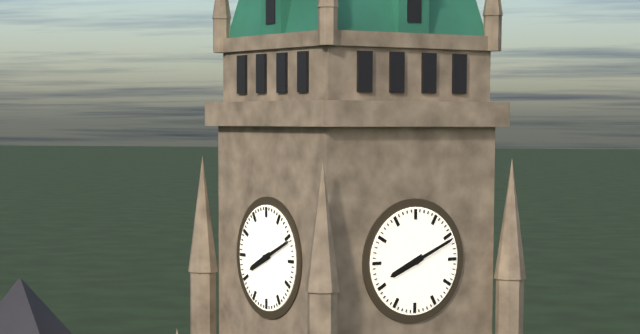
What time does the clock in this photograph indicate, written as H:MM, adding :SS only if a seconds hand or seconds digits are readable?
8:11
